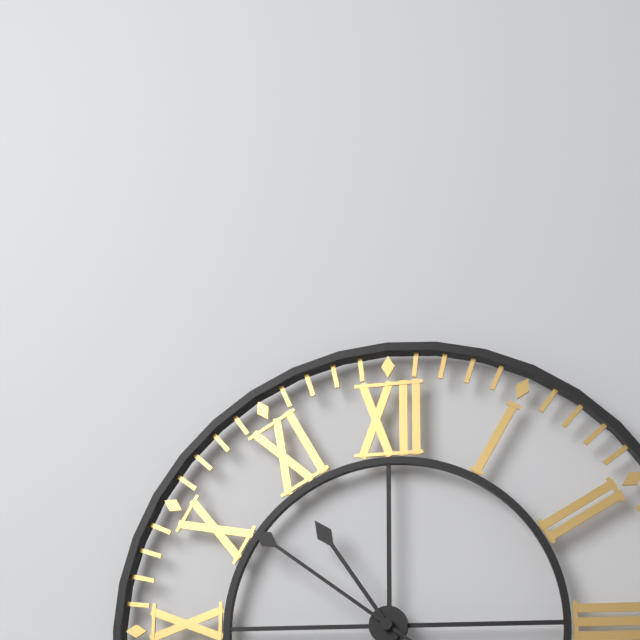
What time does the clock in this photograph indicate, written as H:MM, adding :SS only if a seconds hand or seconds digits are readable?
10:51
